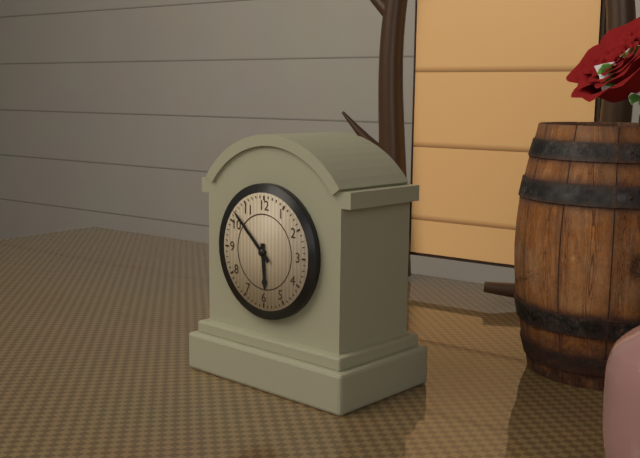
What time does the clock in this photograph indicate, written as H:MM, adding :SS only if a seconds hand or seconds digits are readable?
5:52
